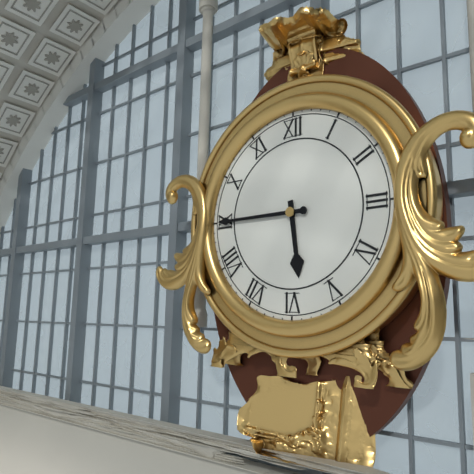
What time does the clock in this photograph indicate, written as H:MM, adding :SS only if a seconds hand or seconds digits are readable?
5:45
